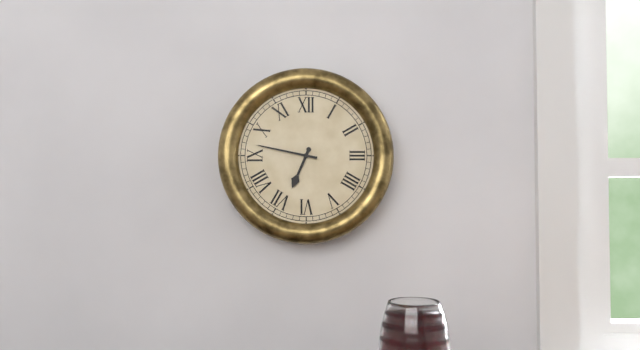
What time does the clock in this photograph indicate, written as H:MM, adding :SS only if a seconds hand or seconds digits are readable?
6:47
